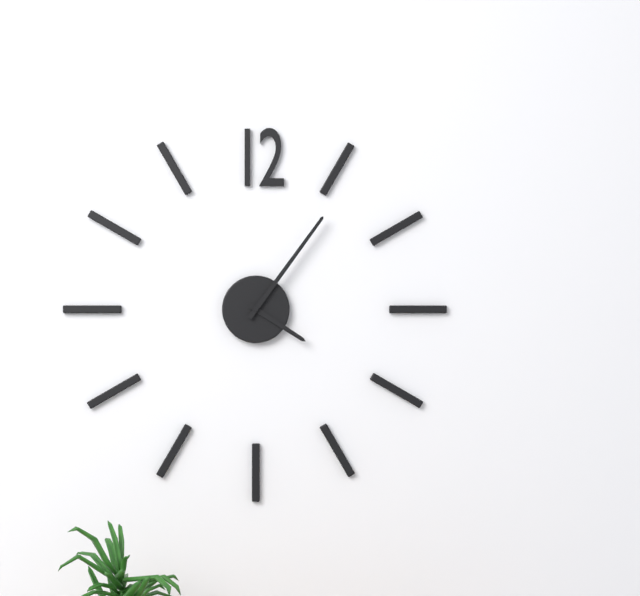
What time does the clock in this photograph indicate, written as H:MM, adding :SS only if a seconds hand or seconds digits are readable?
4:06
